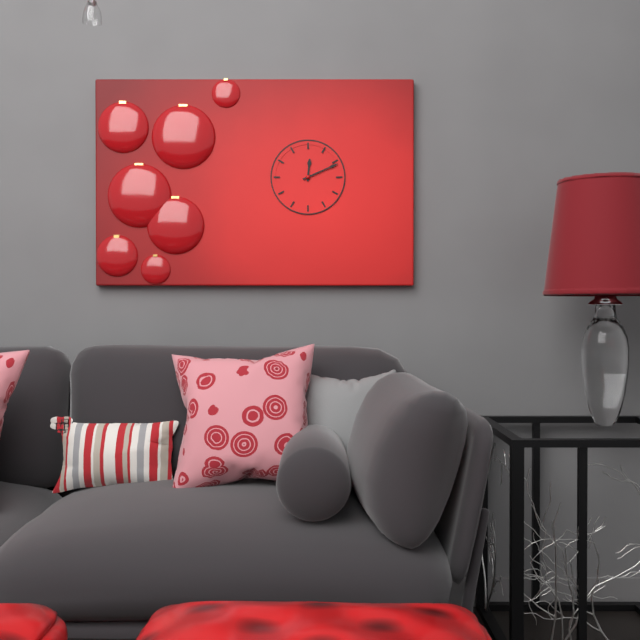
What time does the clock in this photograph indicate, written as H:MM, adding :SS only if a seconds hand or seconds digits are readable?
12:11
